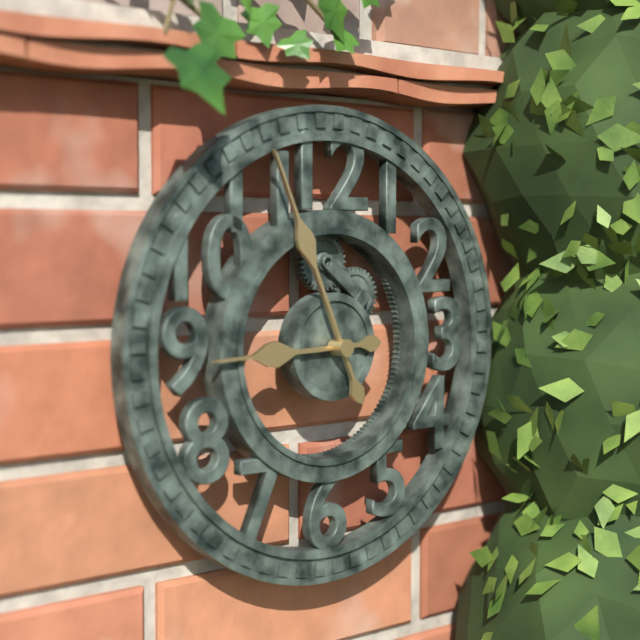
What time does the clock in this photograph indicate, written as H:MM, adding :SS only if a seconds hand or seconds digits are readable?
8:56
